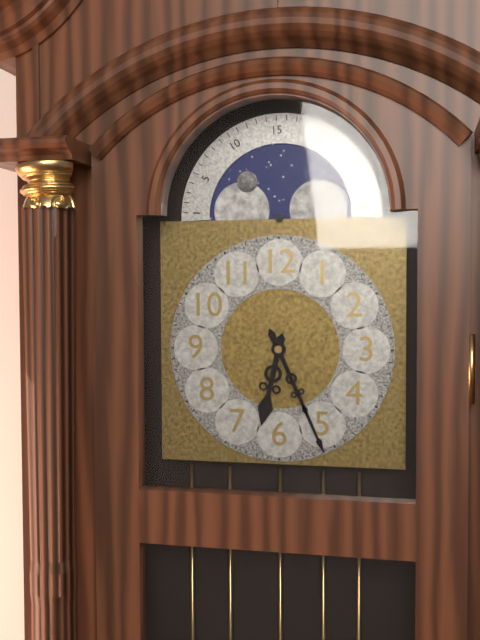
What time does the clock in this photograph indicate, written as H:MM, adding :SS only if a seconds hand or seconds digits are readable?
6:26
